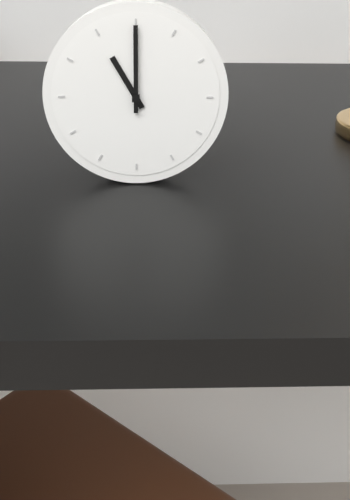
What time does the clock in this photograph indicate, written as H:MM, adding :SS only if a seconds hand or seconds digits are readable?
11:00
